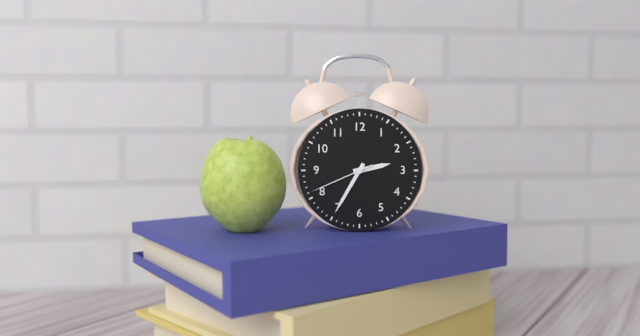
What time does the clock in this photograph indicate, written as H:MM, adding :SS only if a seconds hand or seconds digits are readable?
2:35:41
